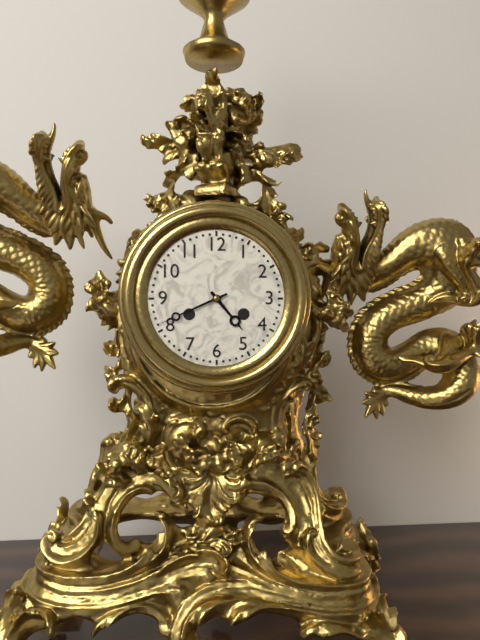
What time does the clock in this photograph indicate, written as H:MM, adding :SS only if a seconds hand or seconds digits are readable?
4:41
